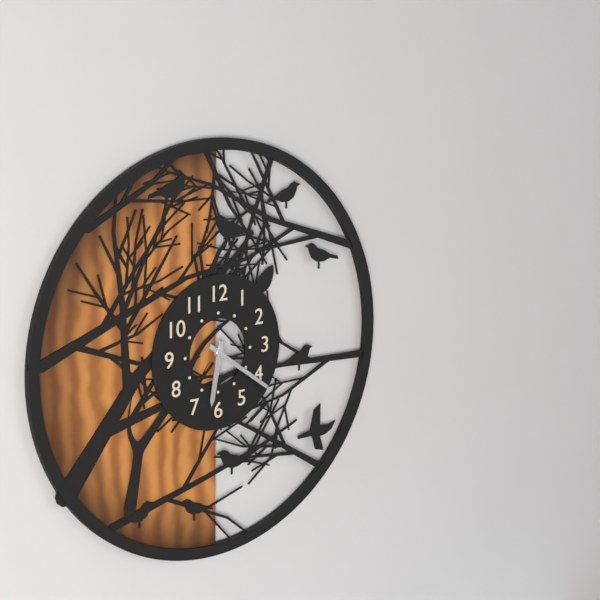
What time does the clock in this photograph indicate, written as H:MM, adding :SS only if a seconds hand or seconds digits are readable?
6:21
